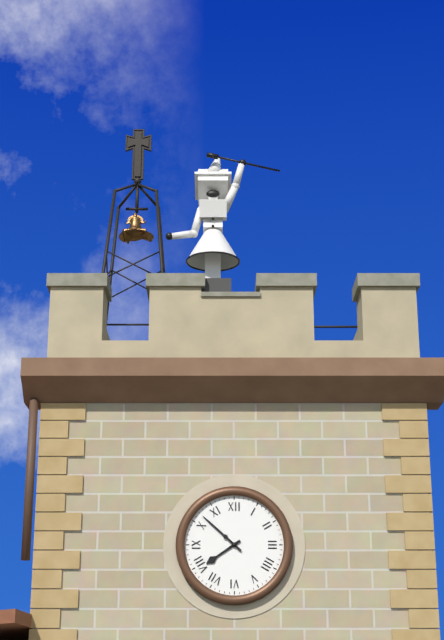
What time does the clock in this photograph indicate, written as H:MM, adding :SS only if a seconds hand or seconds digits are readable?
7:52
